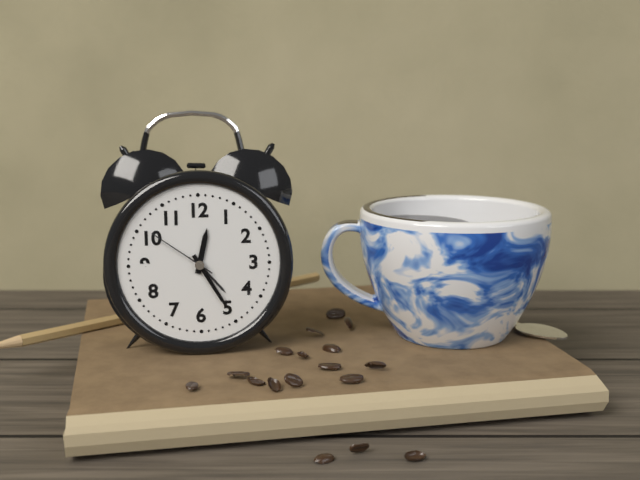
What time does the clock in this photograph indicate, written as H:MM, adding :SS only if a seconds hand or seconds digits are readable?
12:25:51
